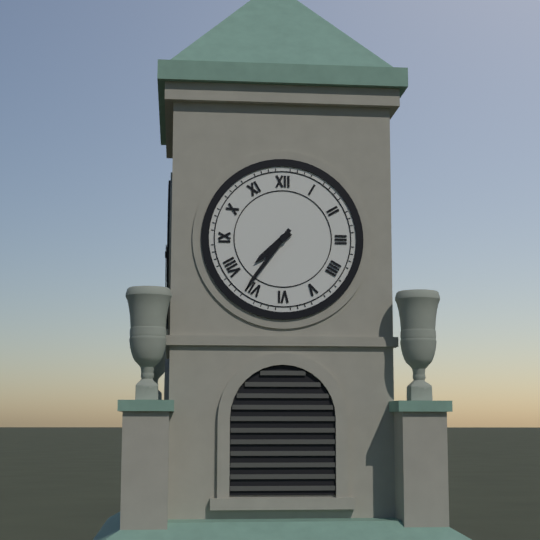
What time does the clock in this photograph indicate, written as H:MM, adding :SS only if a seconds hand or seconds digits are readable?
7:36
